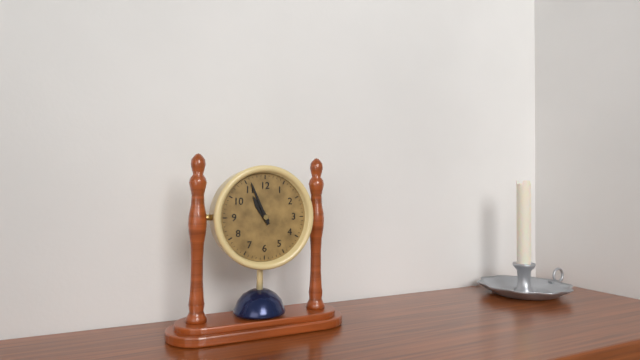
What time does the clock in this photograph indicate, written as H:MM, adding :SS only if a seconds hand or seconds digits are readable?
10:56
